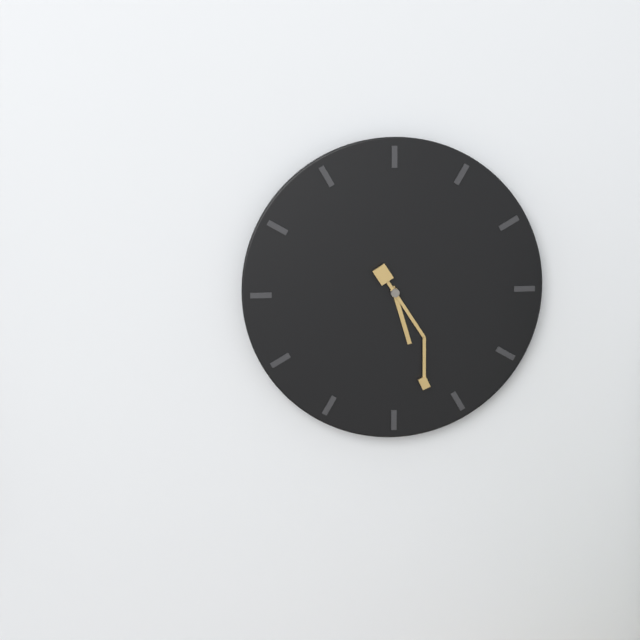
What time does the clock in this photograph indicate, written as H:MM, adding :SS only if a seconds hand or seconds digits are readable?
5:27
